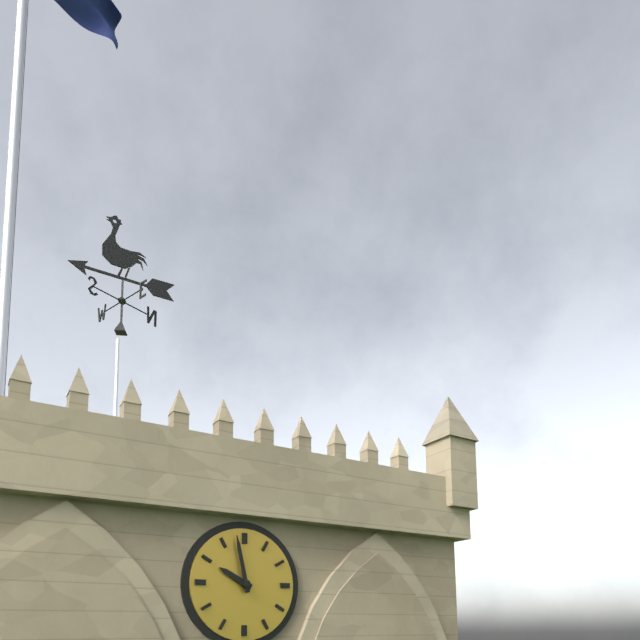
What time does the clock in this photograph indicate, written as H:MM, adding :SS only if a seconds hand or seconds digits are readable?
9:58
